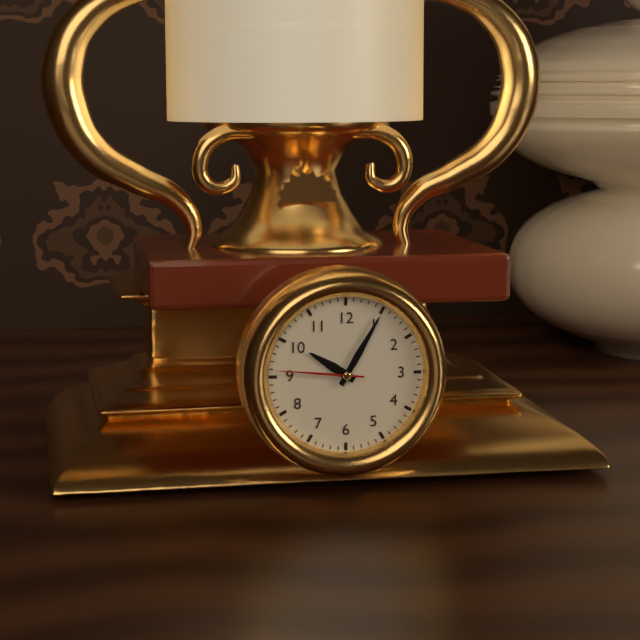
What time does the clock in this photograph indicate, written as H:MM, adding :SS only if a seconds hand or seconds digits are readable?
10:05:46
